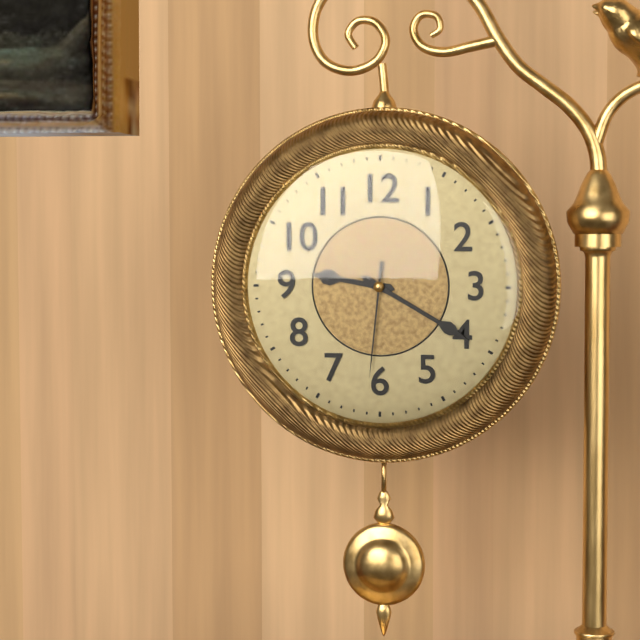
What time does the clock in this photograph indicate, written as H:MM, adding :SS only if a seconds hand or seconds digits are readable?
9:20:31
